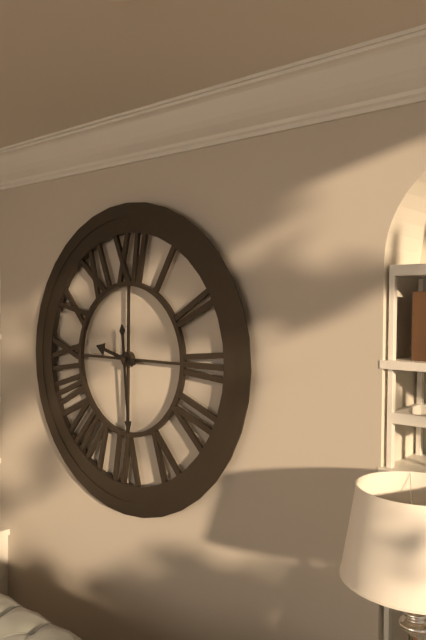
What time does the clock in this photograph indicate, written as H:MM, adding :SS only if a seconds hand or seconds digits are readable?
9:29
